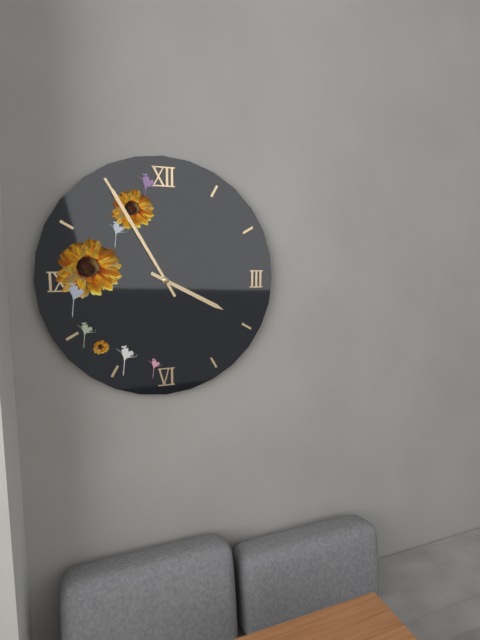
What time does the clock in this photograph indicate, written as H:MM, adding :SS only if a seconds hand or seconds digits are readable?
3:55
